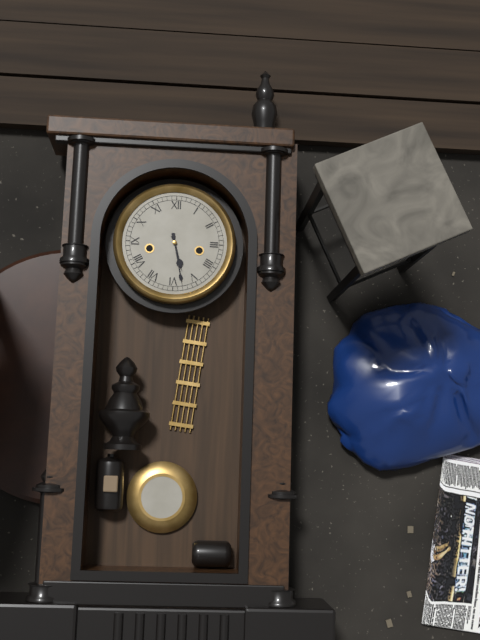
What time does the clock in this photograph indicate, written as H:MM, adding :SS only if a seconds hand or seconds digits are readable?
5:28
